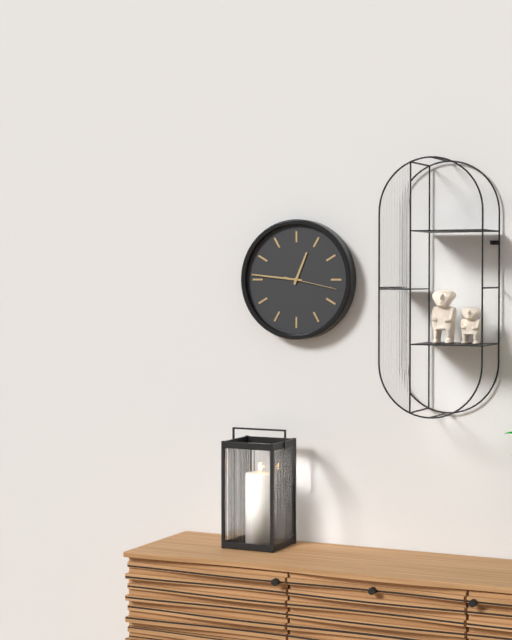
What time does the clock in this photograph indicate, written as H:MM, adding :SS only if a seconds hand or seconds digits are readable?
12:46
